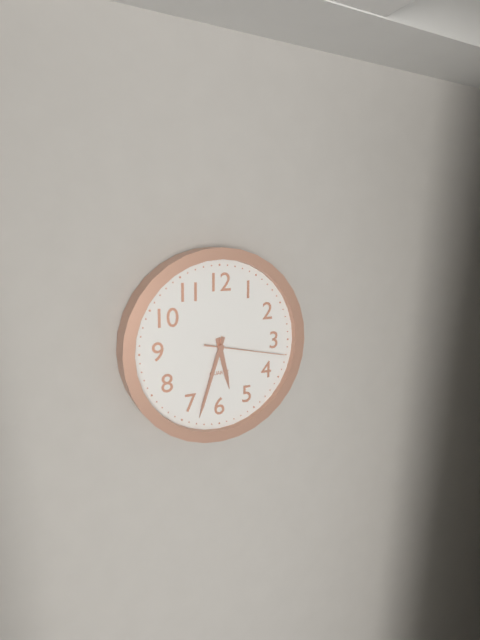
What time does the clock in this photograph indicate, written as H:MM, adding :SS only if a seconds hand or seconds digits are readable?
5:33:17
